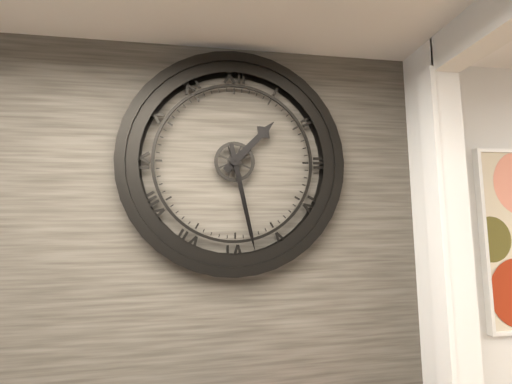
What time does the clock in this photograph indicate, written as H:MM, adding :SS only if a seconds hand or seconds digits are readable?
1:28
